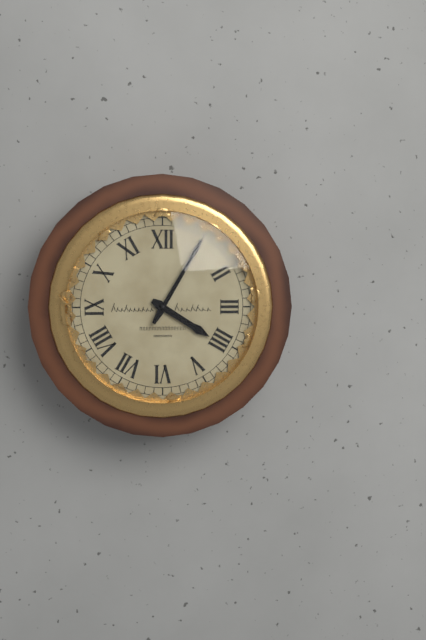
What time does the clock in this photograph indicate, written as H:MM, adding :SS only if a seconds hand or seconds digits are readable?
4:05
